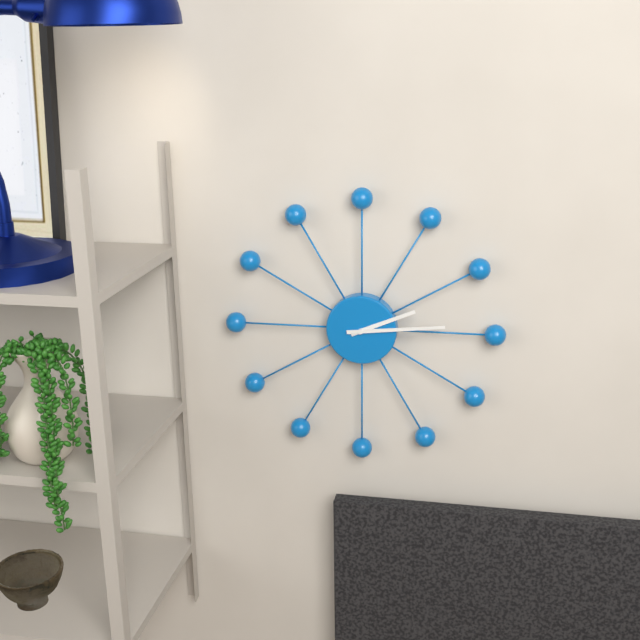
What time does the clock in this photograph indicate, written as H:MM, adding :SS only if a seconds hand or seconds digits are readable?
2:14
